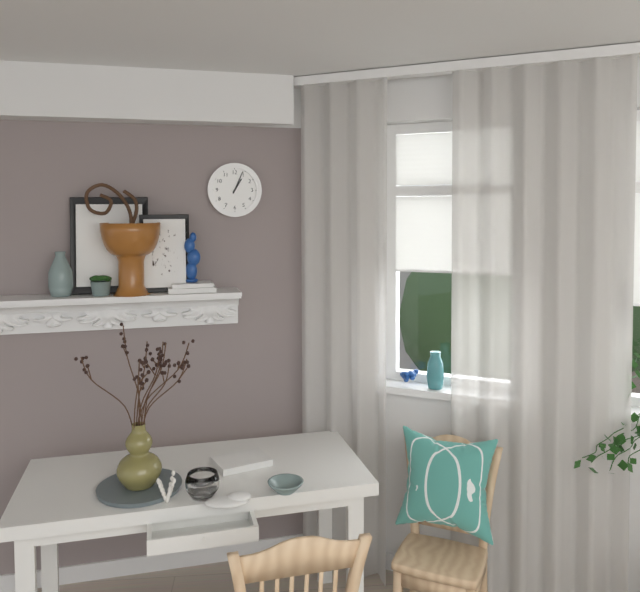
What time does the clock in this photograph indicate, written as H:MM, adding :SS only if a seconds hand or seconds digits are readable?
1:04
